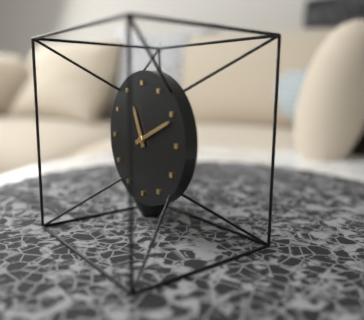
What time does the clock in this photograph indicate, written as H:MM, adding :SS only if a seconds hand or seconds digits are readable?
11:11
